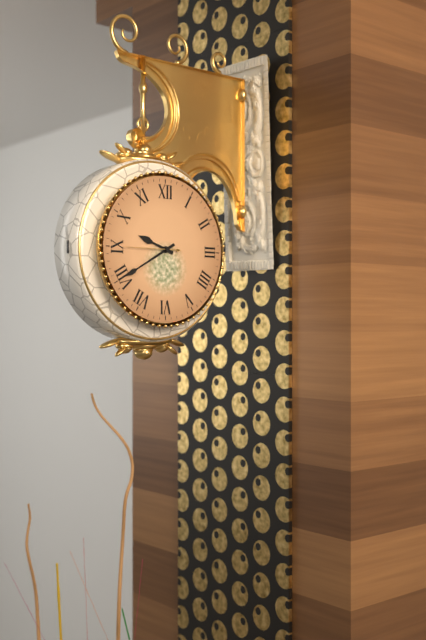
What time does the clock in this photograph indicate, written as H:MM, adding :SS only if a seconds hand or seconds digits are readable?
9:40:45
